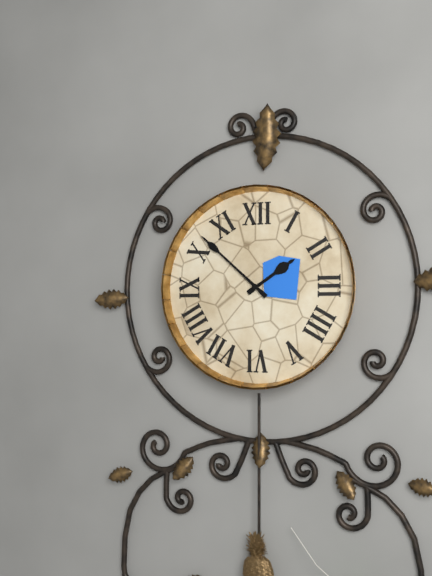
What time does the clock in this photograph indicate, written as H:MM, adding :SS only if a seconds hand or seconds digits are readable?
1:52
